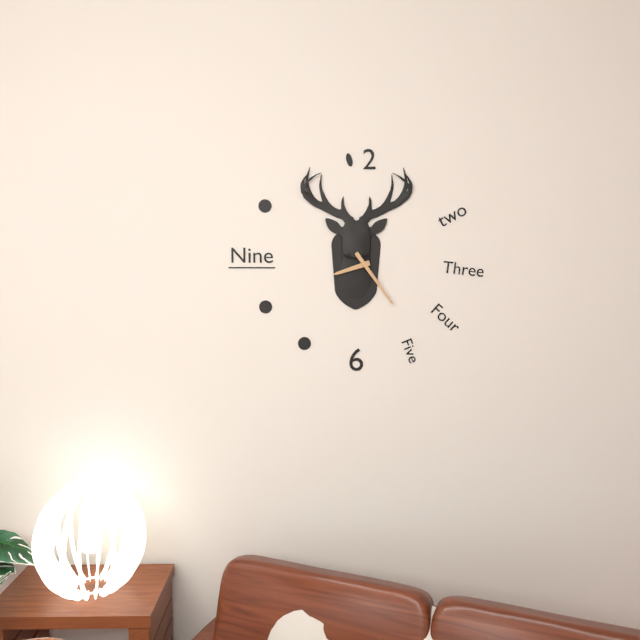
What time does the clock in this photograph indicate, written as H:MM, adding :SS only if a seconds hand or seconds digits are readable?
8:24
